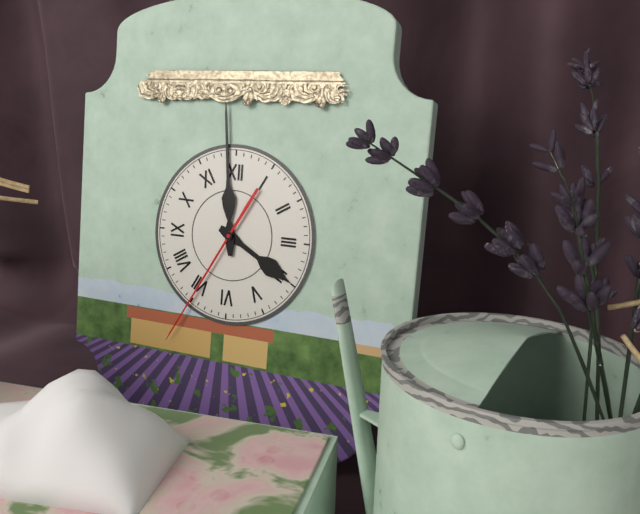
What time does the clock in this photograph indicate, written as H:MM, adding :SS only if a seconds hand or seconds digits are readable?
3:59:35
